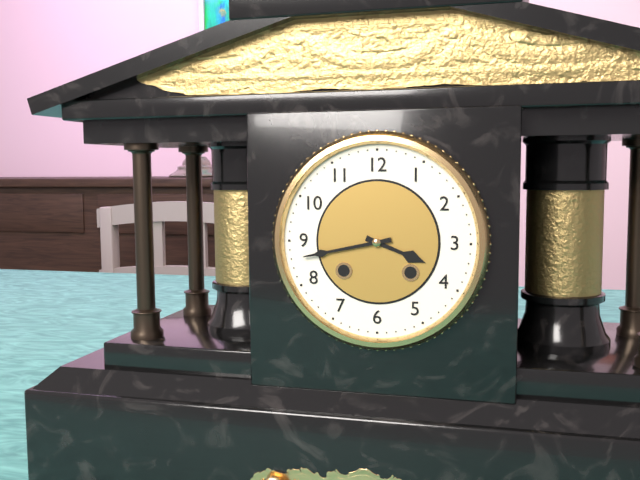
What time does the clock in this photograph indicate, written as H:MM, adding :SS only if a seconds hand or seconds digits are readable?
3:43
